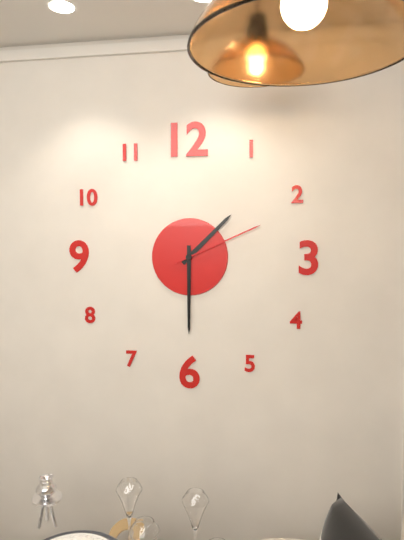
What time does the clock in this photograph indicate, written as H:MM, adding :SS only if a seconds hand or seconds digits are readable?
1:30:11
